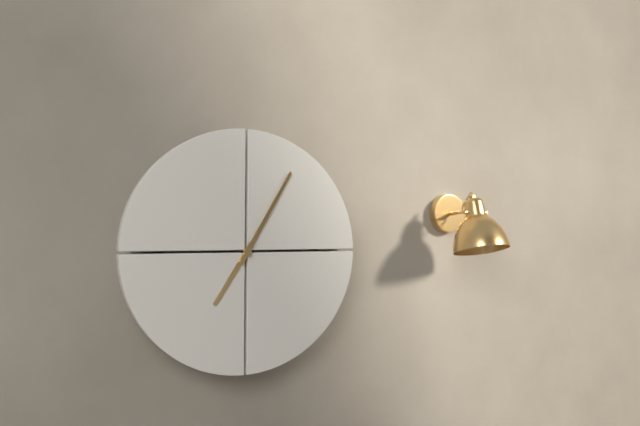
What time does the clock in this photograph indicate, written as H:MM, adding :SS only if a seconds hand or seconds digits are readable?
7:05
